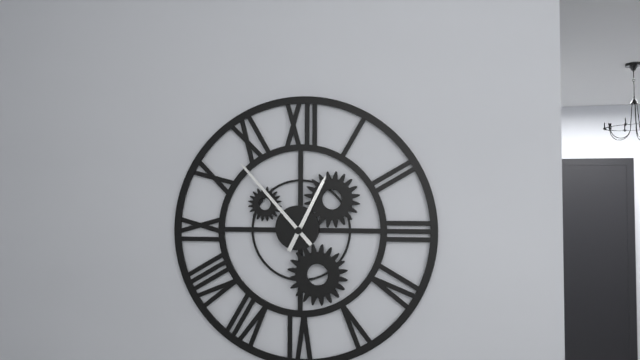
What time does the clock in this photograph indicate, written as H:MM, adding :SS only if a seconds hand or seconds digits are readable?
12:53
